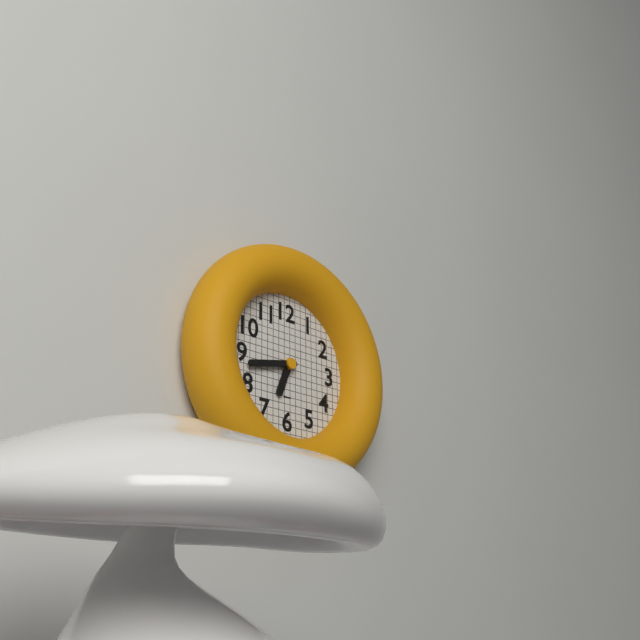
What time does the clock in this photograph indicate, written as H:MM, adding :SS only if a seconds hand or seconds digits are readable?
6:43
